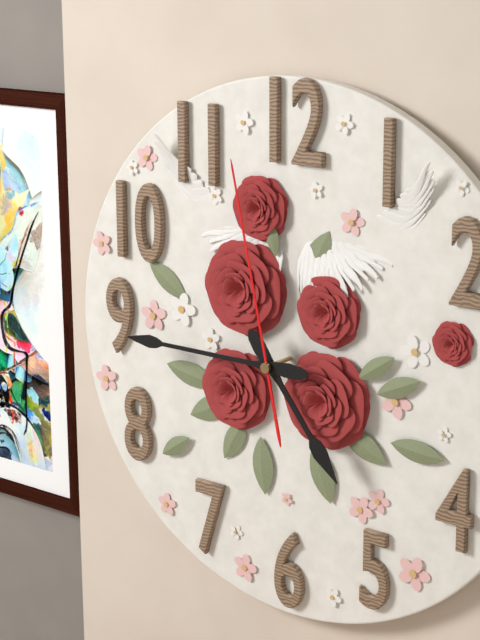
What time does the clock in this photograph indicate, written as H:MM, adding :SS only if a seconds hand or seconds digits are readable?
4:45:58
